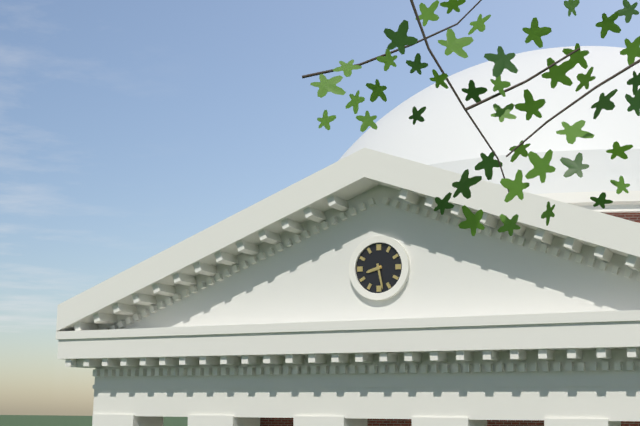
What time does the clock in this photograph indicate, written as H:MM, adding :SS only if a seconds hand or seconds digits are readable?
8:28
